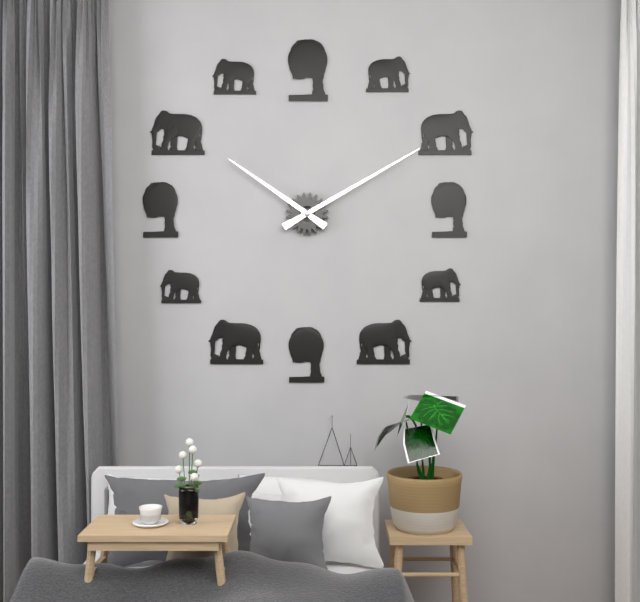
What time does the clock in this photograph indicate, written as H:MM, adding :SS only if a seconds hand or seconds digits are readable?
10:10
